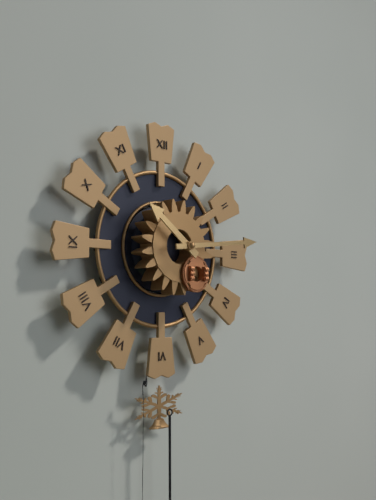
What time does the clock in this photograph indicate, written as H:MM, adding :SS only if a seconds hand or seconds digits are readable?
10:14
